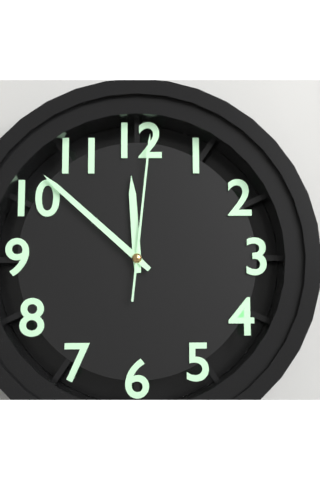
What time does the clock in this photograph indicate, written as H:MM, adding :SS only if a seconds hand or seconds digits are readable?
11:52:01
